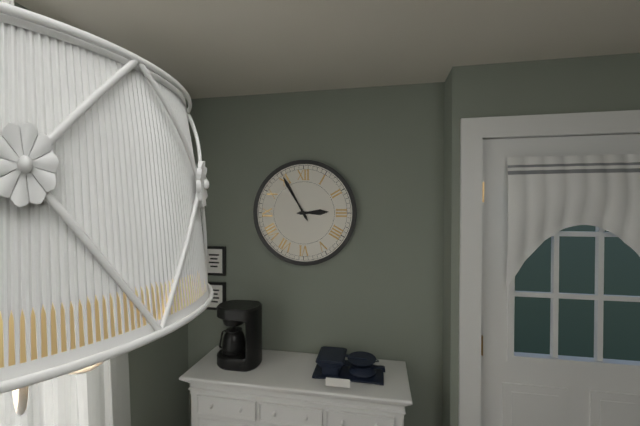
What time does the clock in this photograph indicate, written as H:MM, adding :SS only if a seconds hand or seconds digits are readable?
2:55
